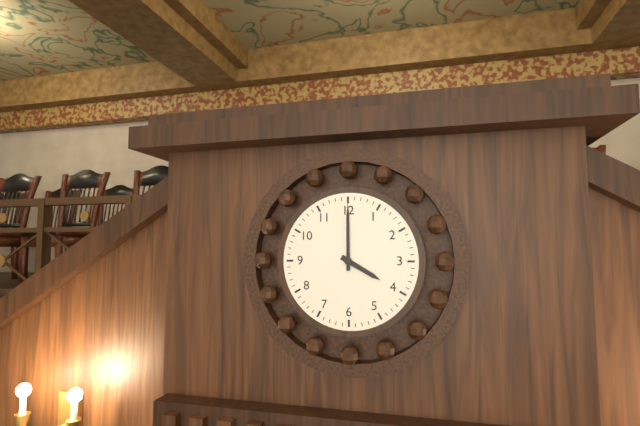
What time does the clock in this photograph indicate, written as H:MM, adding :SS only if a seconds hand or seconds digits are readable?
4:00
